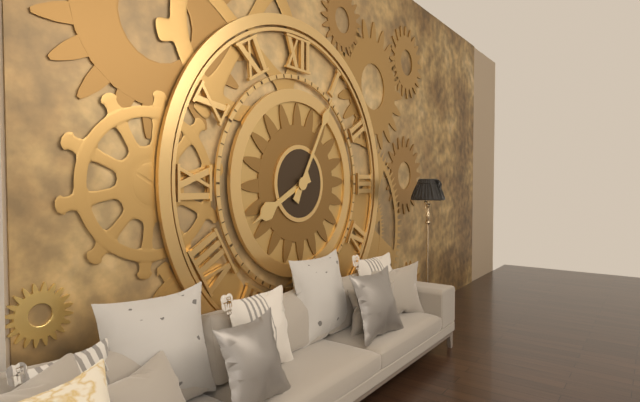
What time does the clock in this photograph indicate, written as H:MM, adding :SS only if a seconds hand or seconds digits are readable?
8:05
